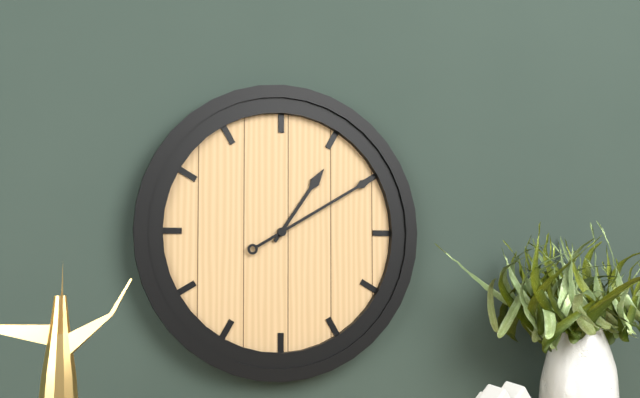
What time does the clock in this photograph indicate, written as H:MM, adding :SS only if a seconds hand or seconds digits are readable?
1:10
